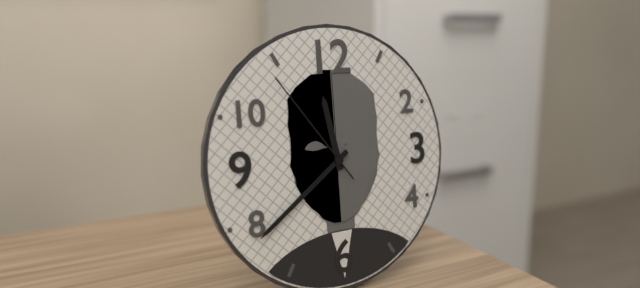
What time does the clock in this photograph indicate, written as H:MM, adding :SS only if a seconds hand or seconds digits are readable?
11:39:54
